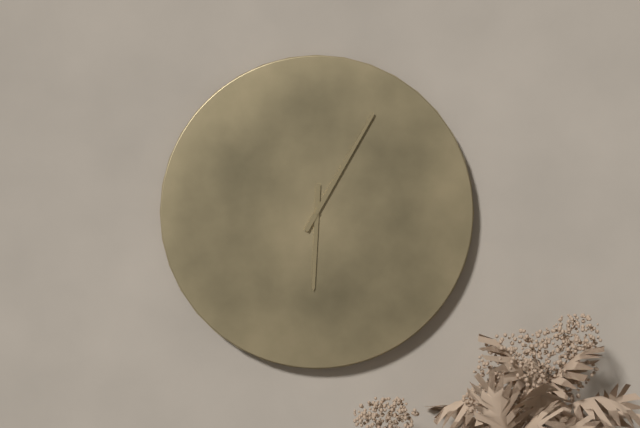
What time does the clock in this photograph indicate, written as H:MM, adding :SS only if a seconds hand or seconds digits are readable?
6:05
